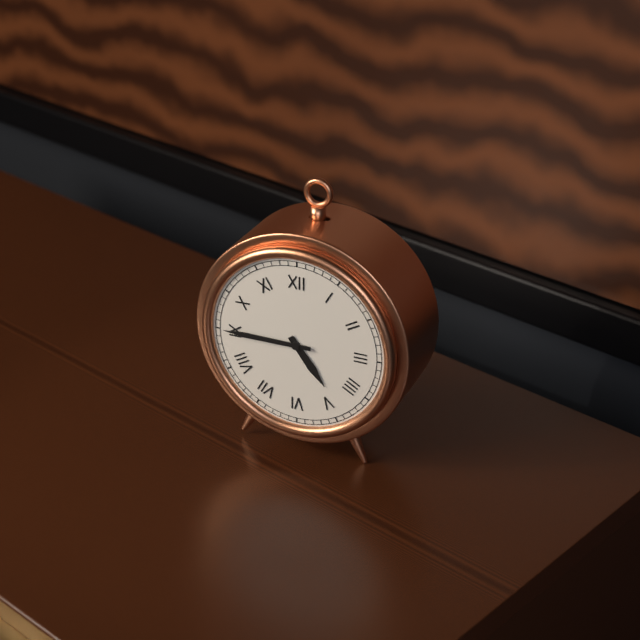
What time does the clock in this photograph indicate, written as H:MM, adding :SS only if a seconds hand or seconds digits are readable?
4:45
